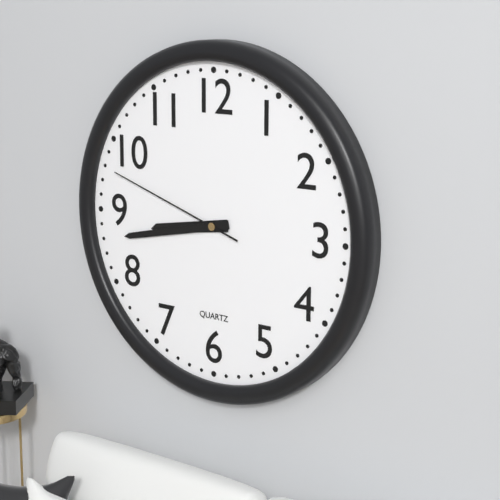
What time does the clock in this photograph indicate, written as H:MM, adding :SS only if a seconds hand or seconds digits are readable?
8:43:48
